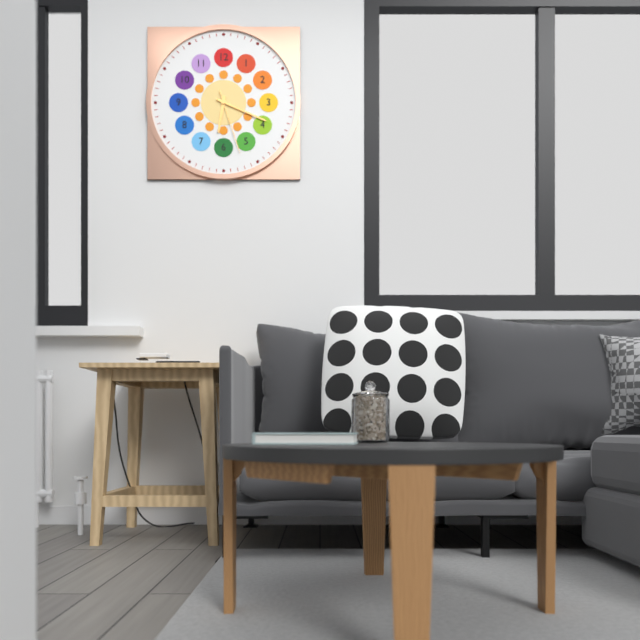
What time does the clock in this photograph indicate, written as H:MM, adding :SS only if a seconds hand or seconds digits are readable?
6:19:27
